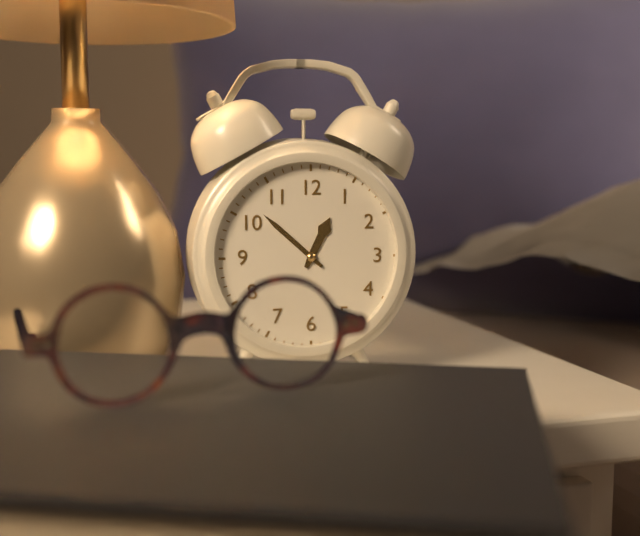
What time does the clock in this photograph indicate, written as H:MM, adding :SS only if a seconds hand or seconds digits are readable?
12:52
